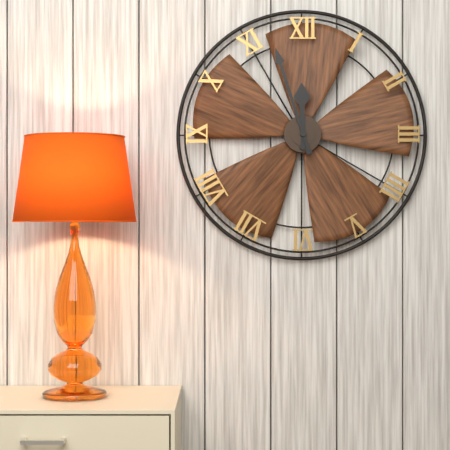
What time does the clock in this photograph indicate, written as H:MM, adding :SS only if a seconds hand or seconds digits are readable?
11:57
